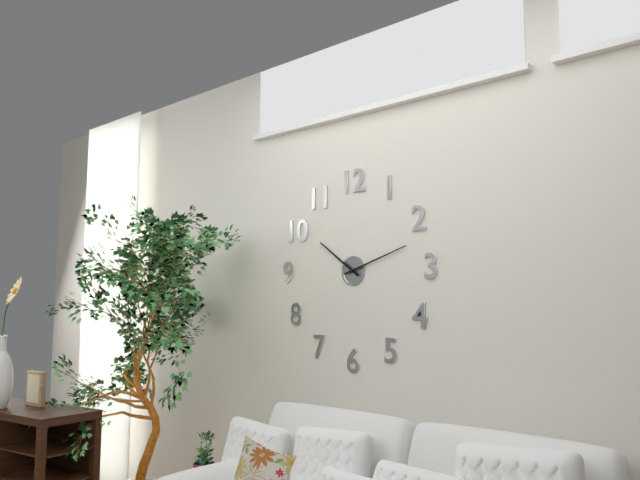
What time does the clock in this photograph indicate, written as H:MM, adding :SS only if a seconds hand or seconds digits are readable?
10:12
